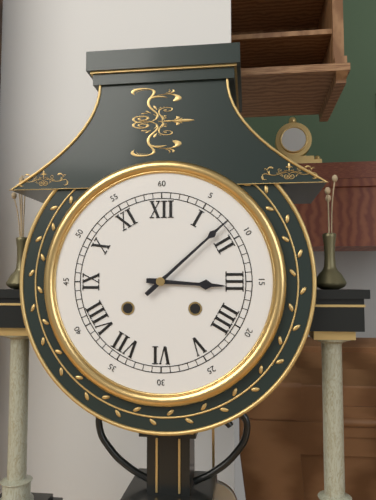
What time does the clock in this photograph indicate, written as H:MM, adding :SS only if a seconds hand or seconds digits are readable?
3:08
